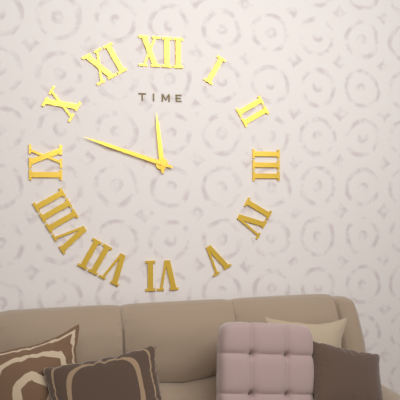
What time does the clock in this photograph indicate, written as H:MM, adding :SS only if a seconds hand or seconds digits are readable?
11:48
